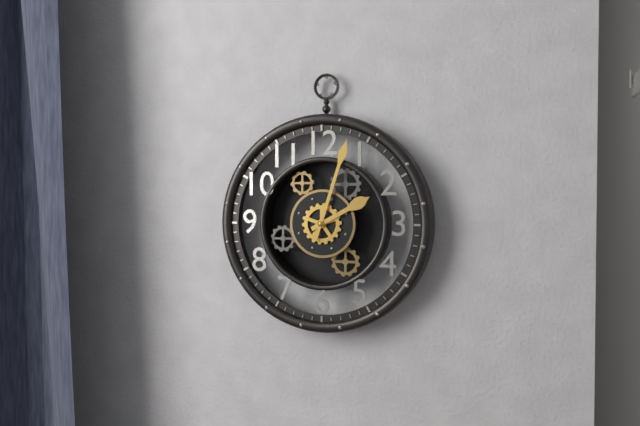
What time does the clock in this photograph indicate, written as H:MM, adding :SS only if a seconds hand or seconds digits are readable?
2:03
